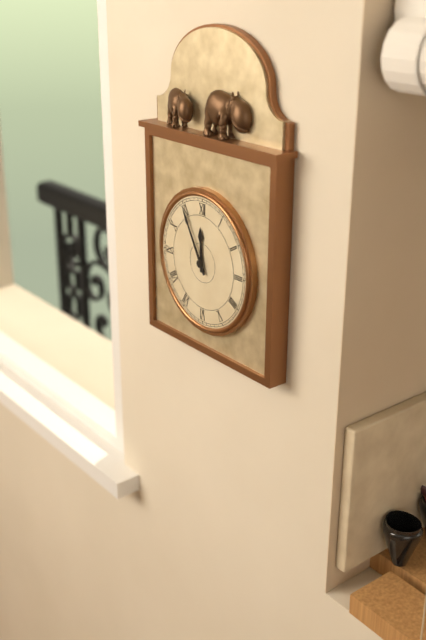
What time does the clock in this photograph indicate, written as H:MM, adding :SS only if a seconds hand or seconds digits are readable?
11:55
